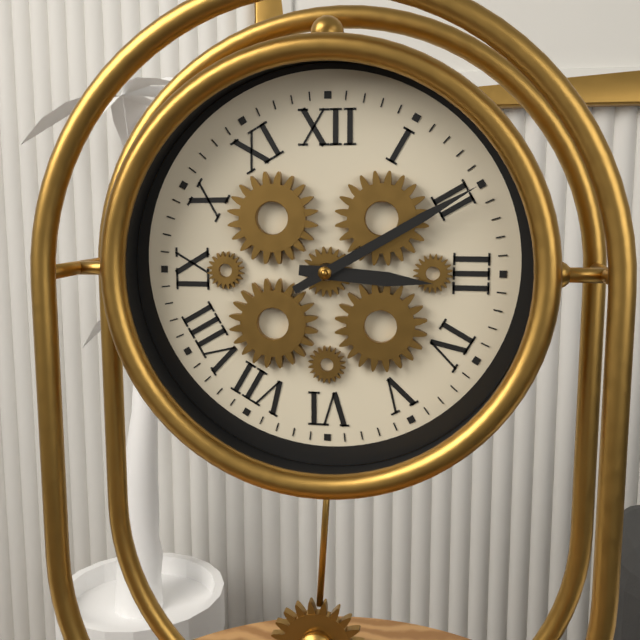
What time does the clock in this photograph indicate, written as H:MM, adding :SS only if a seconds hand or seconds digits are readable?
3:10
